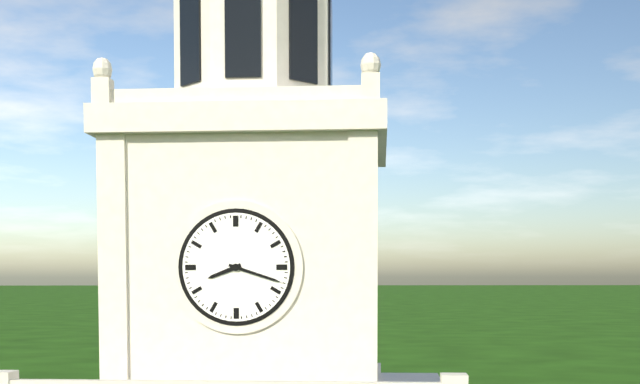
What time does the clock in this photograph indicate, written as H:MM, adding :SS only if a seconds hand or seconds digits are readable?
8:18
